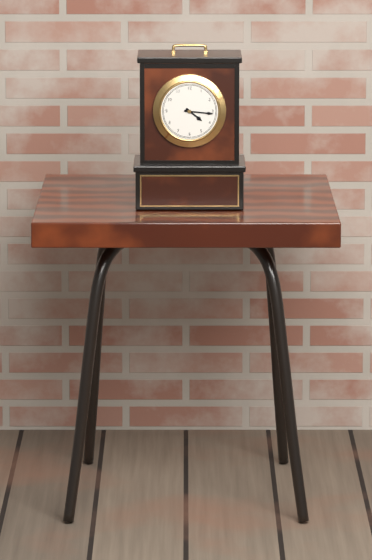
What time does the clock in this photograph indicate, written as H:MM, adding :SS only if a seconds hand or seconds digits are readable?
4:16
